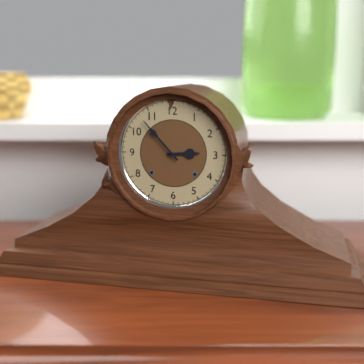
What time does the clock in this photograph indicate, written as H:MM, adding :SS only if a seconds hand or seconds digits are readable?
2:53
